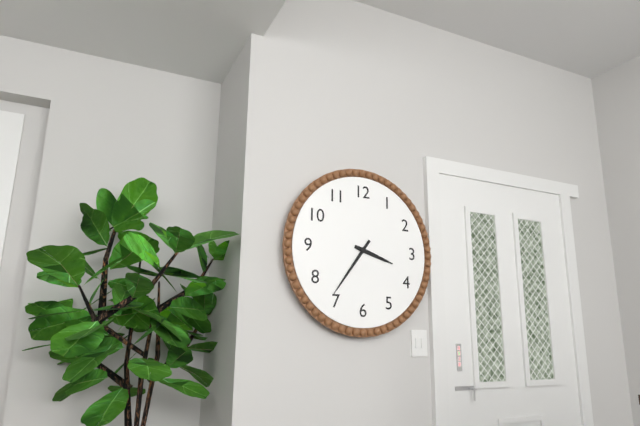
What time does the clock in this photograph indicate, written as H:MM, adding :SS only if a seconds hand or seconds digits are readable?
3:36
